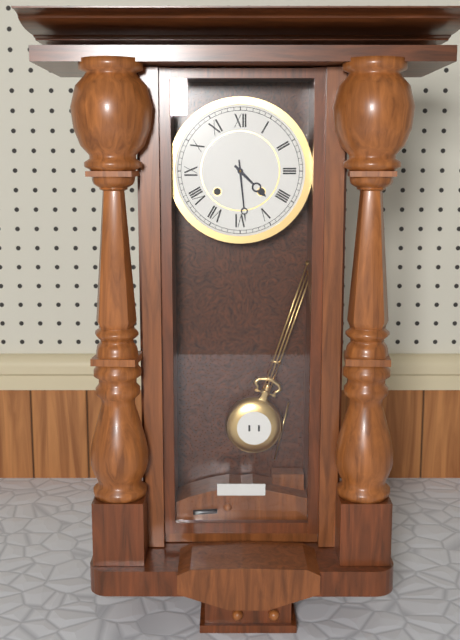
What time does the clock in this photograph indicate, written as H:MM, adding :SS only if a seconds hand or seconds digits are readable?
4:29
